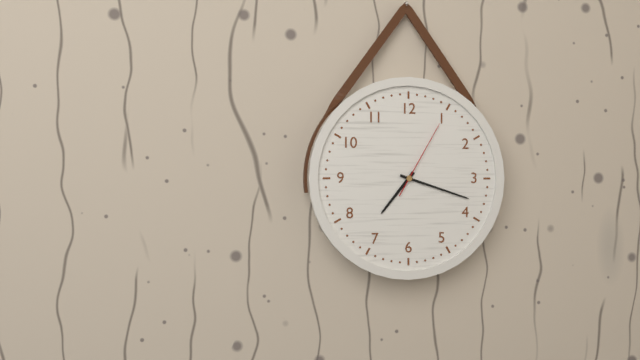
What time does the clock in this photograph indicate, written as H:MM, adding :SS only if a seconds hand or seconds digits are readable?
7:18:05
